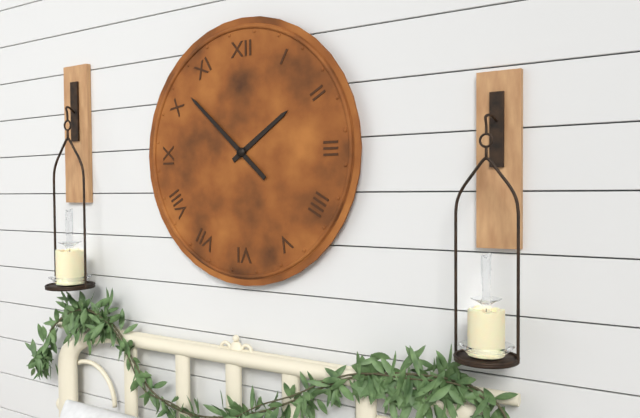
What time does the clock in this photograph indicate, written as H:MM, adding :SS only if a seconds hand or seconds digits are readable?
1:52
